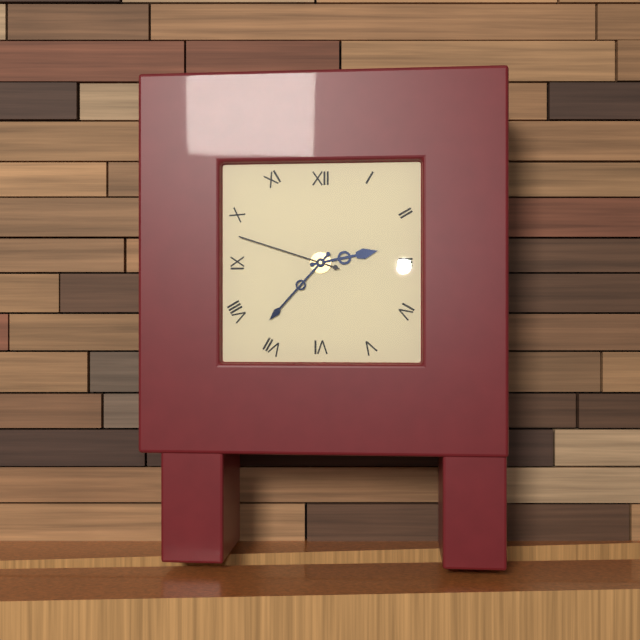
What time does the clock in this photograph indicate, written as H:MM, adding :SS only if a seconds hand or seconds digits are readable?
2:37:48
